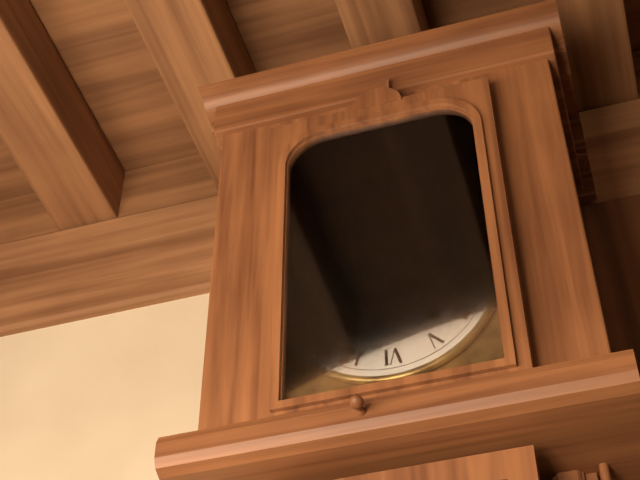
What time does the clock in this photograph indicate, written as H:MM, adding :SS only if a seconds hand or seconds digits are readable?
12:14
